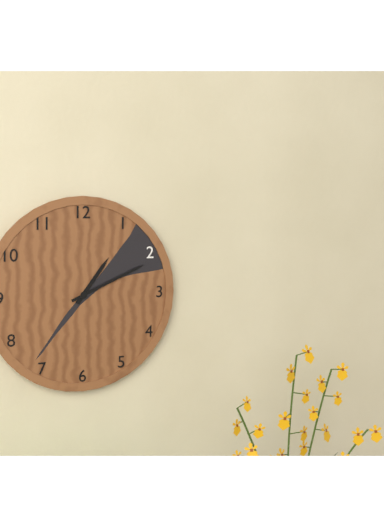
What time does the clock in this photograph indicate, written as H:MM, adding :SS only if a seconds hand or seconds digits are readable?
1:11
